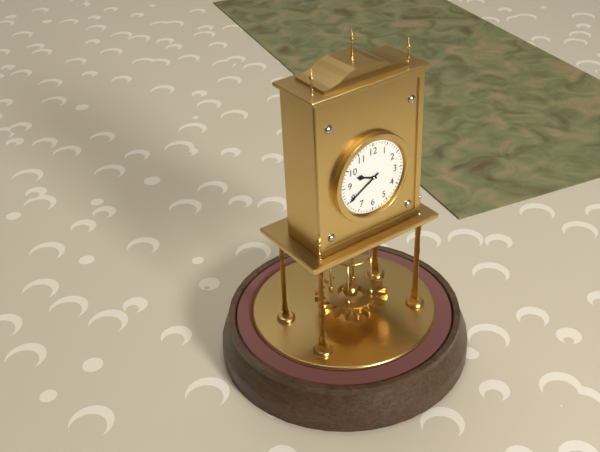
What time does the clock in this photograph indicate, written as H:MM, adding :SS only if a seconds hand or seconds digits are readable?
9:40
